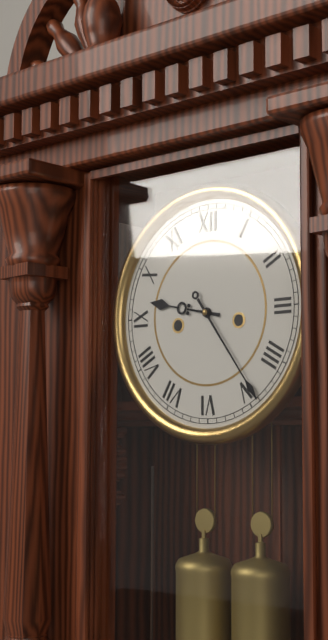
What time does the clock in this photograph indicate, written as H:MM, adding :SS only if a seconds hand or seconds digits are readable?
9:24
